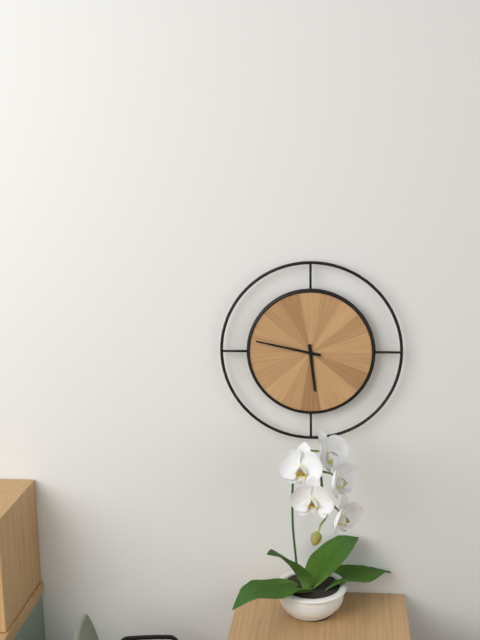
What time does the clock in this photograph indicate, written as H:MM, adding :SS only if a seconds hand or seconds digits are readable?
5:47
